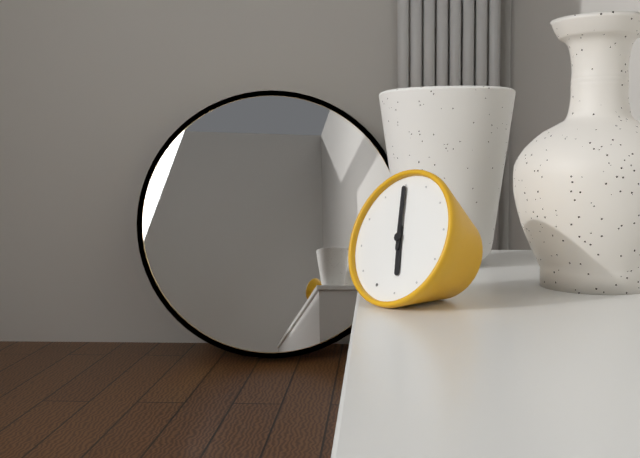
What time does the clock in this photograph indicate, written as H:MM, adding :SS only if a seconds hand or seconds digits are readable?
4:55
